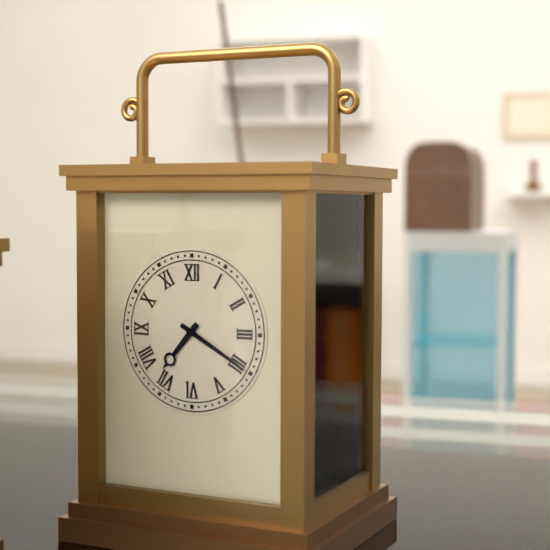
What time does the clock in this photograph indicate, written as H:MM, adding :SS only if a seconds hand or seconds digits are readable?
7:20
